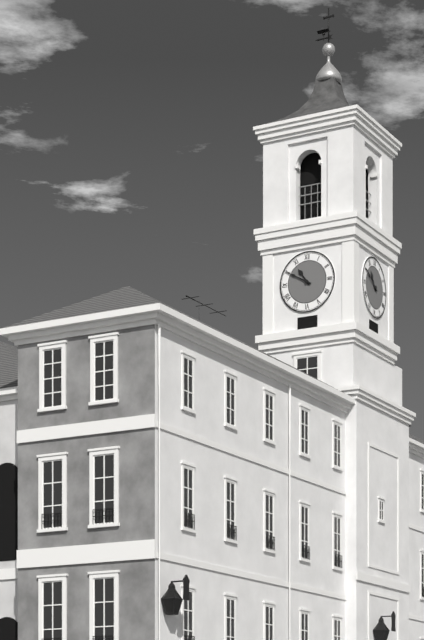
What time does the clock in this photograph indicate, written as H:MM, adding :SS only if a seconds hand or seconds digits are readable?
10:50
